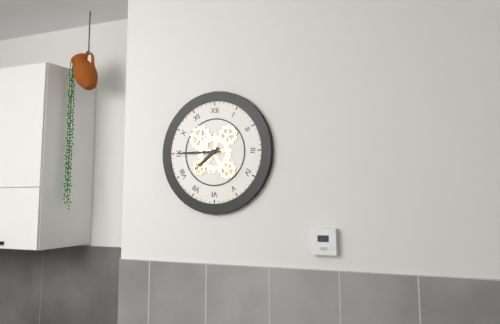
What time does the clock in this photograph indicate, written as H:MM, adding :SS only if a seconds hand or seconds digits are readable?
7:45
